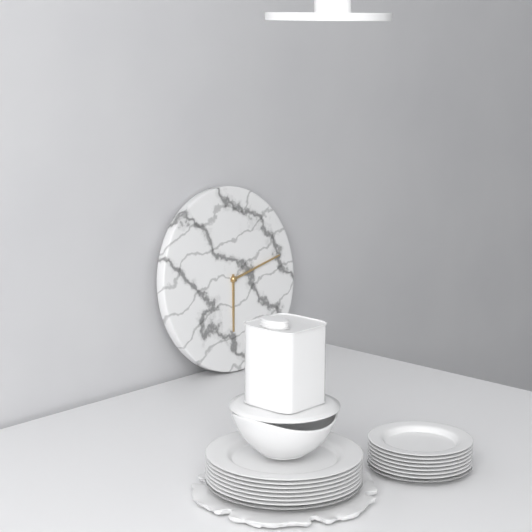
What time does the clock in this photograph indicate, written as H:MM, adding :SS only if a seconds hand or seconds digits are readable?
6:13
